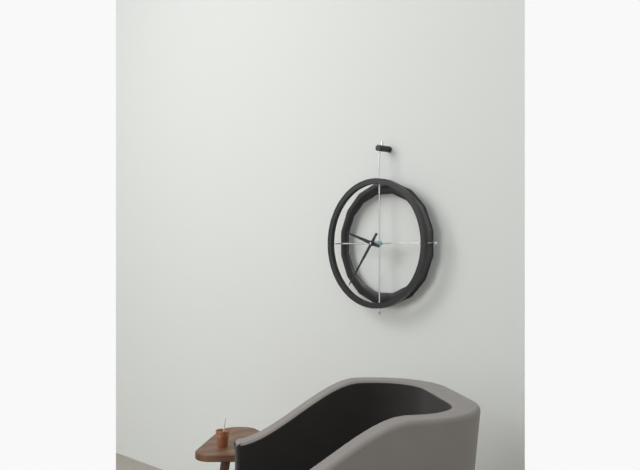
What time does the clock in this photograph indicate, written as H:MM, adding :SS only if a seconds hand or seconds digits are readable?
9:36
